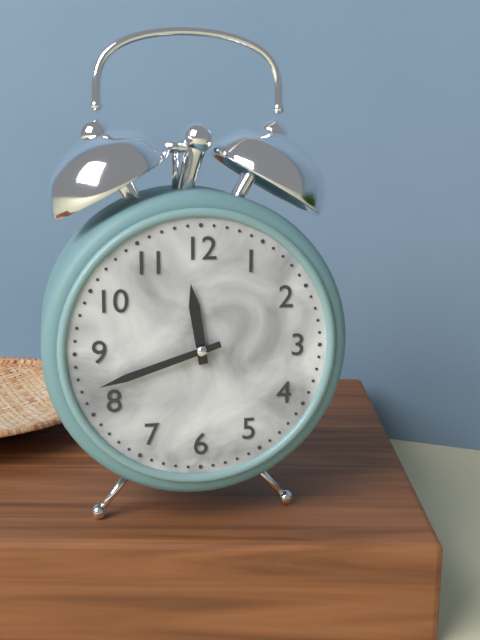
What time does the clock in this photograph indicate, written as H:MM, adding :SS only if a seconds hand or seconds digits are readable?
11:42
